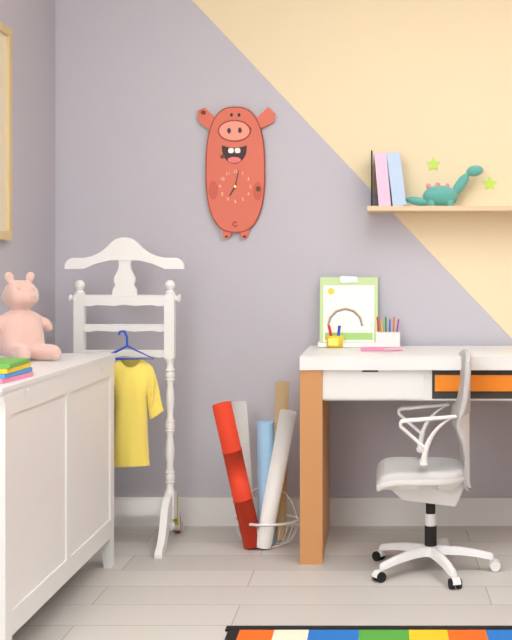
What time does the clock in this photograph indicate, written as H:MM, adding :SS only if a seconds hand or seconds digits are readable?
7:02
